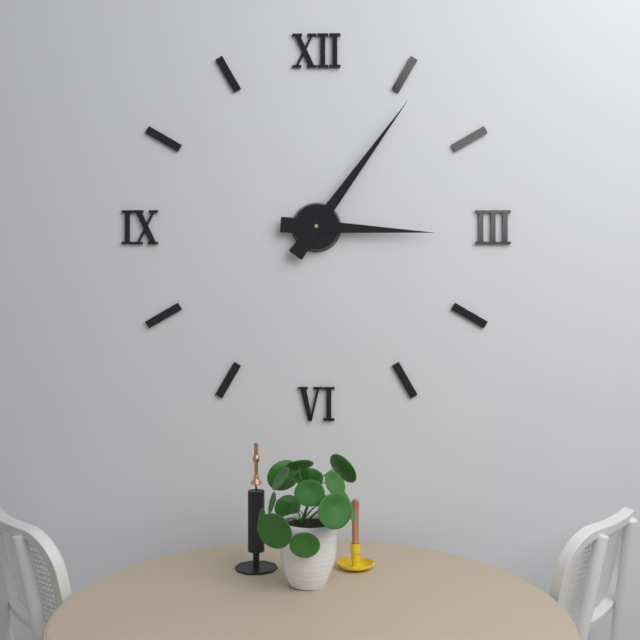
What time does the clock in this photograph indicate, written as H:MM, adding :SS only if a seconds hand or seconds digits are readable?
3:06
